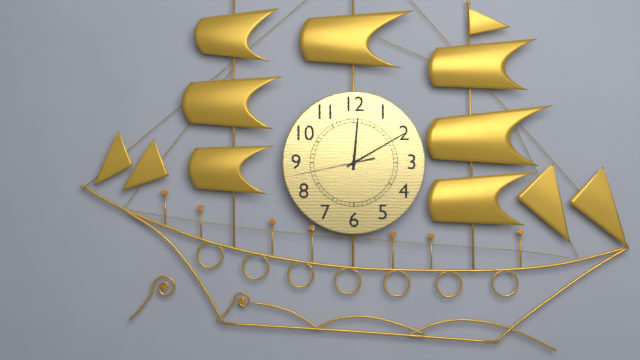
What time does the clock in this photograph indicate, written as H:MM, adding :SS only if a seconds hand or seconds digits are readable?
12:10:43
